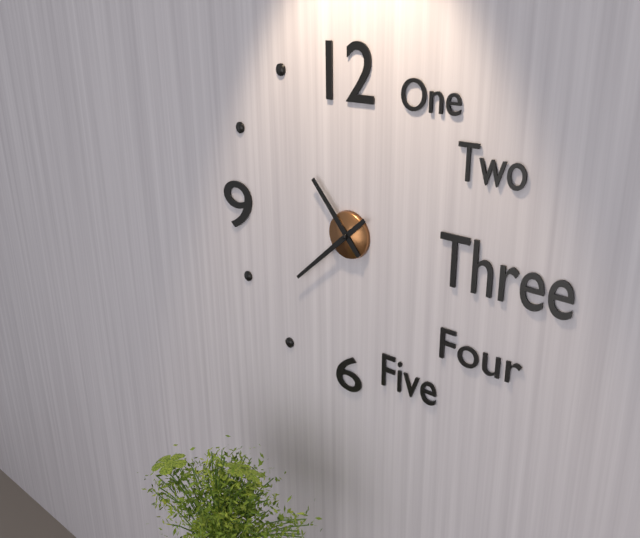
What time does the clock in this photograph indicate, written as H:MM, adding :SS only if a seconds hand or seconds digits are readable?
10:38
